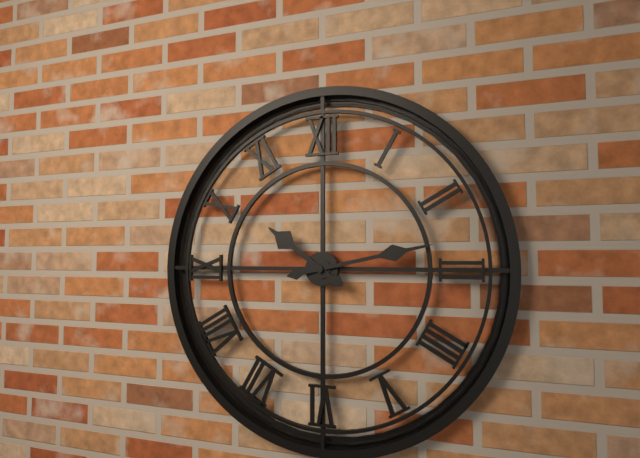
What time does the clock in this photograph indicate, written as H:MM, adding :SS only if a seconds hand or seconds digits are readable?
10:13
